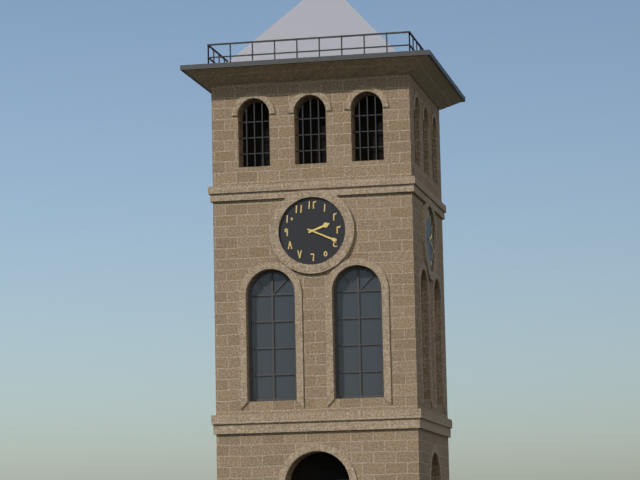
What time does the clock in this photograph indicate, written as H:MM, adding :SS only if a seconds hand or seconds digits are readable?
2:19
